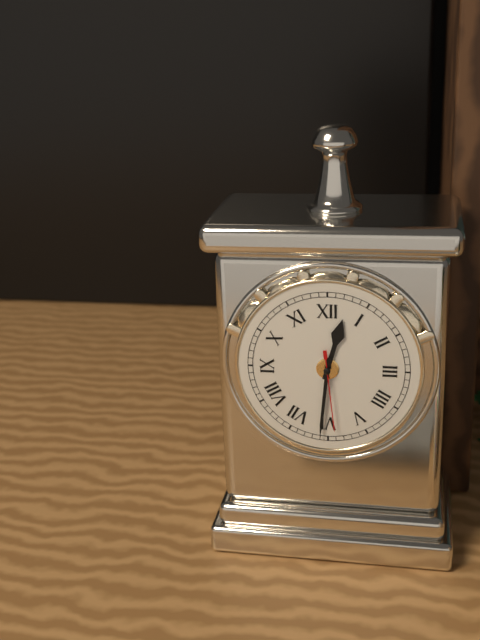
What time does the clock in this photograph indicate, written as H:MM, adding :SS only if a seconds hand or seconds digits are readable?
12:31:29
